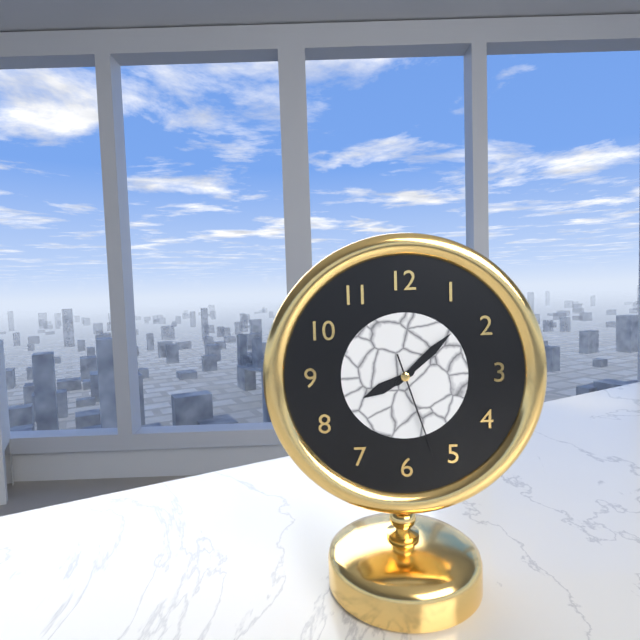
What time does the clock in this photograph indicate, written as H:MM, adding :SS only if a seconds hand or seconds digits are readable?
8:08:27
